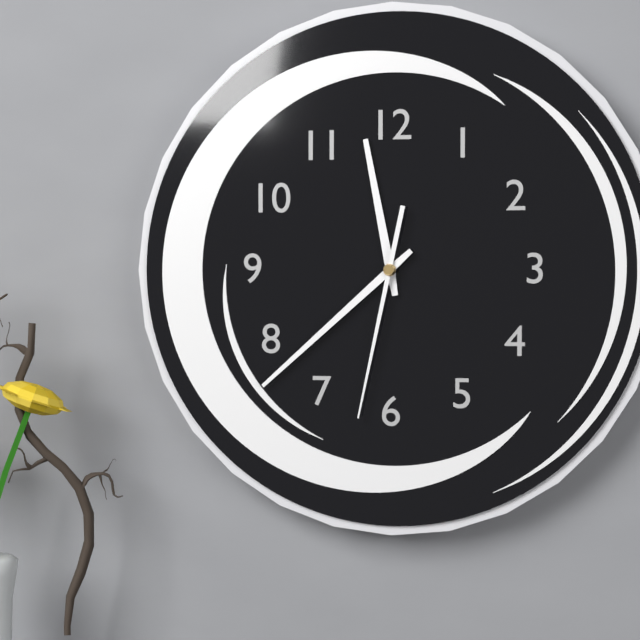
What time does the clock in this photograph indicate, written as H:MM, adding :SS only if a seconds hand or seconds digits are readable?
11:38:32
